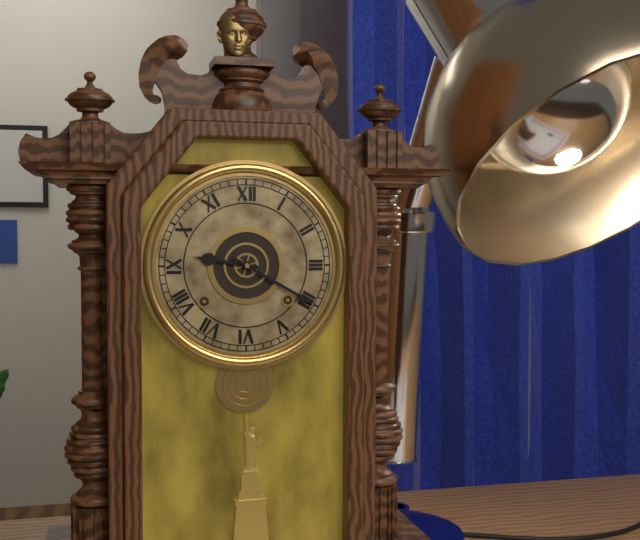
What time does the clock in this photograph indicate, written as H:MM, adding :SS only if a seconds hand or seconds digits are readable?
9:20
